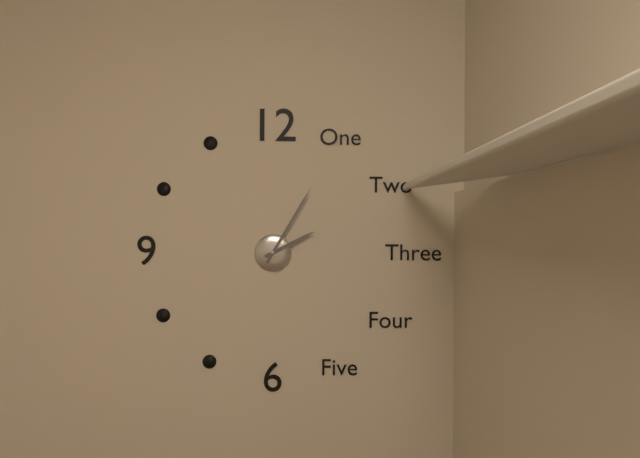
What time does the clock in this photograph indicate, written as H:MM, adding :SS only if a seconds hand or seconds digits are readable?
2:05
